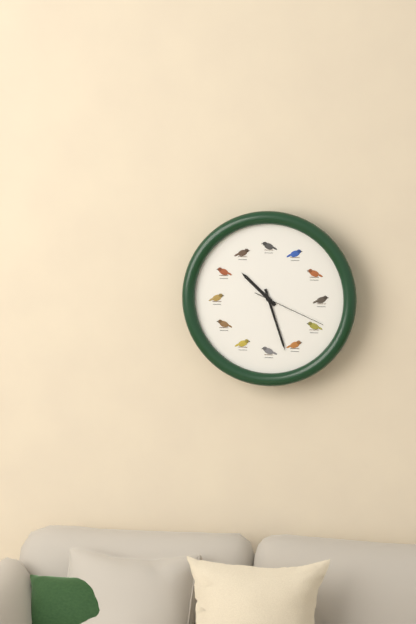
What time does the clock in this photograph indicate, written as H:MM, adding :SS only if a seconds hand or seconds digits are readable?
10:27:19
